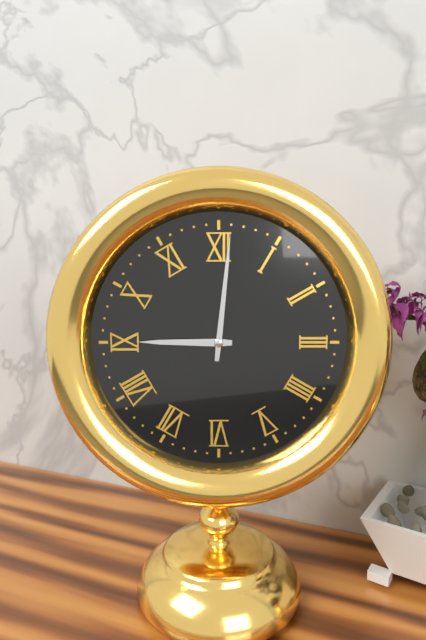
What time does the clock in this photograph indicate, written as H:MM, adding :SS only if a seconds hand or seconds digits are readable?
9:01
